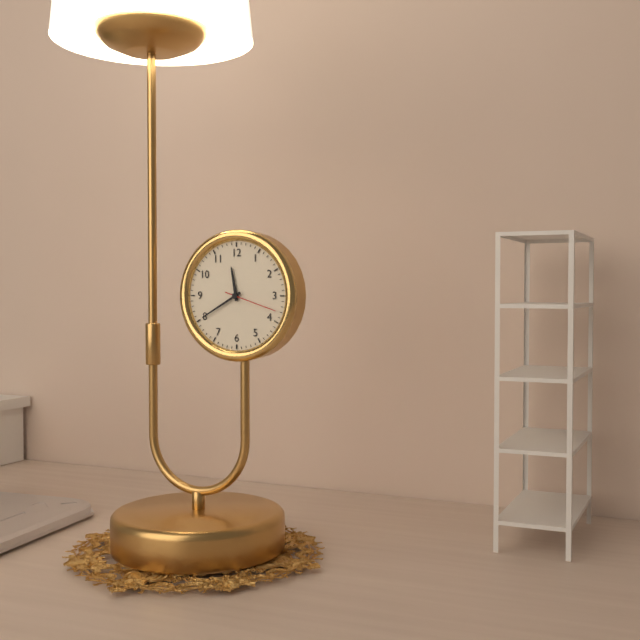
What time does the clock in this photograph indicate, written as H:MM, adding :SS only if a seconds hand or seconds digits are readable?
11:40
